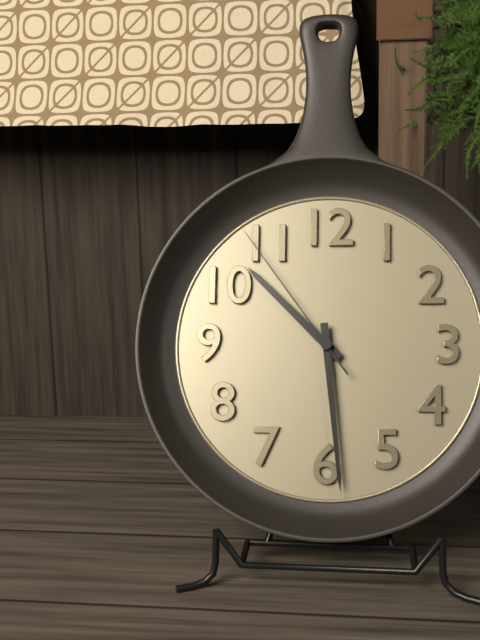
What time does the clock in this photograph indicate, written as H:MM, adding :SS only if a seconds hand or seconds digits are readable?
10:29:54
